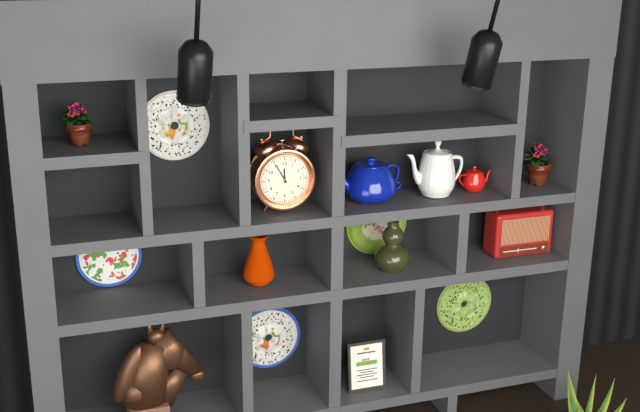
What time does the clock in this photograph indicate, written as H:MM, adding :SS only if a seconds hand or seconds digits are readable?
11:55
